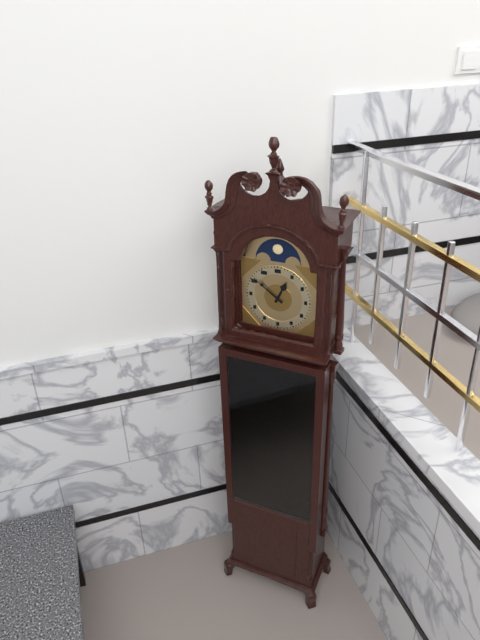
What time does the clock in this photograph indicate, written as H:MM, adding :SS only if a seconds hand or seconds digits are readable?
12:51
